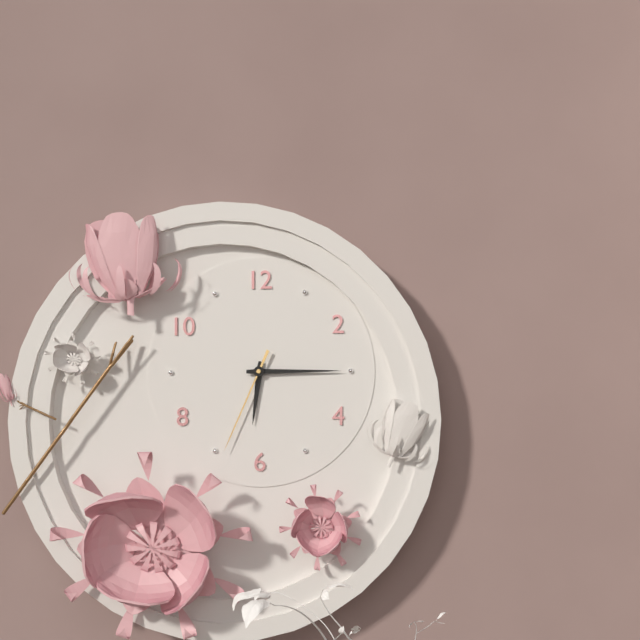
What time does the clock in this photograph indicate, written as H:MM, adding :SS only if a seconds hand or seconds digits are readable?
6:15:34
